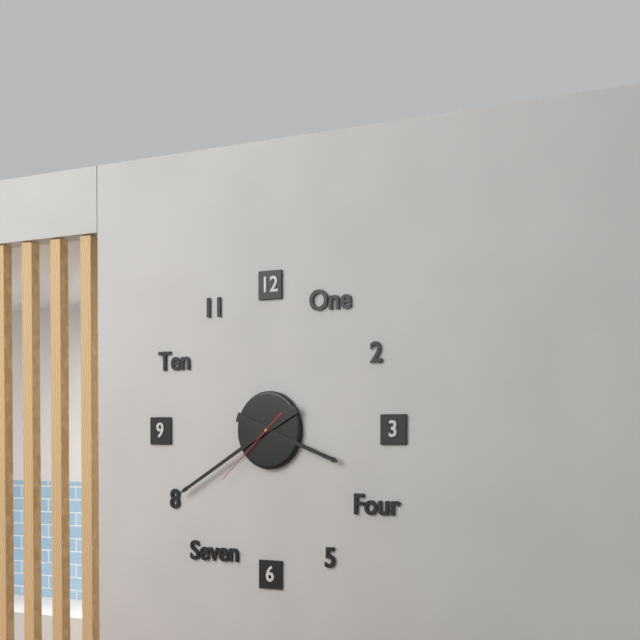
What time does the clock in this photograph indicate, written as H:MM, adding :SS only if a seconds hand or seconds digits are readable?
3:40:38
